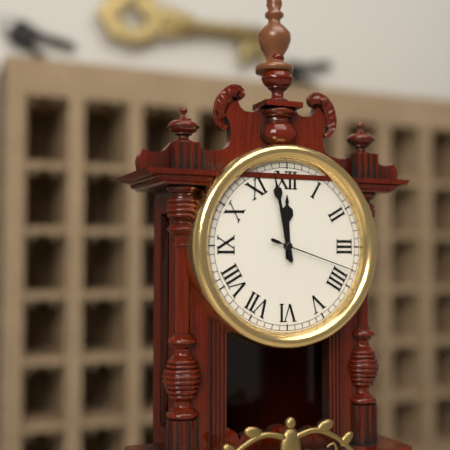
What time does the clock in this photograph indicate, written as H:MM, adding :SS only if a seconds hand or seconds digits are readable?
11:58:18
